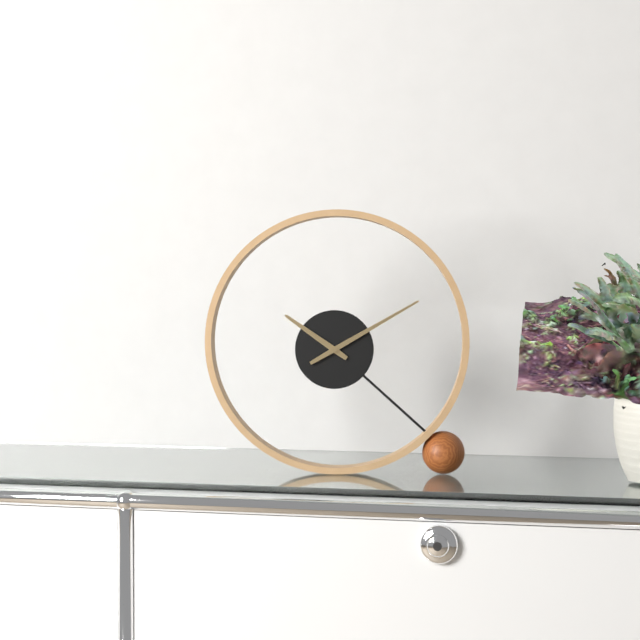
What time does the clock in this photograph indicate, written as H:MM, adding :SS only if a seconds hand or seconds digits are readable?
10:10
